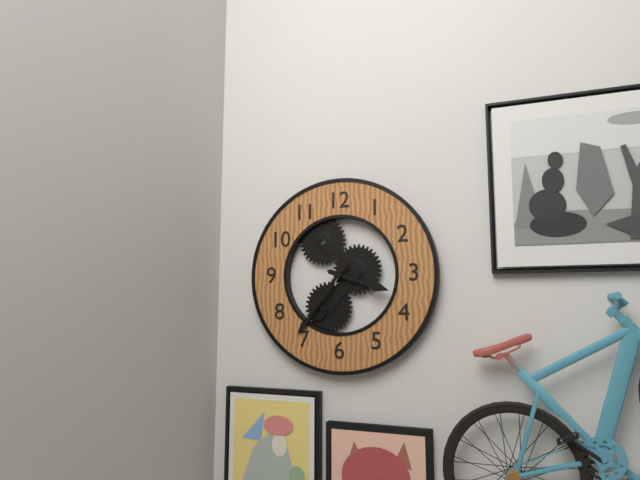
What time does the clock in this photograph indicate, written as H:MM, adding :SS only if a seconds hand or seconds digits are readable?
3:36
